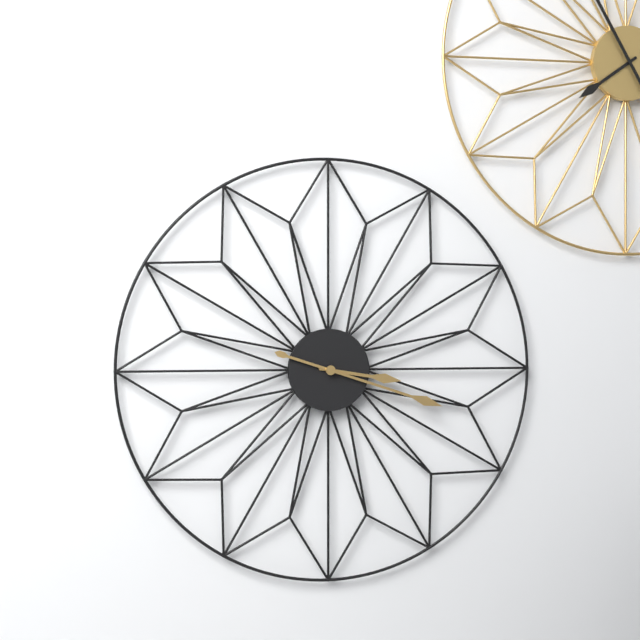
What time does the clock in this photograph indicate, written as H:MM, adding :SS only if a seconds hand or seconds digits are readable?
3:18
